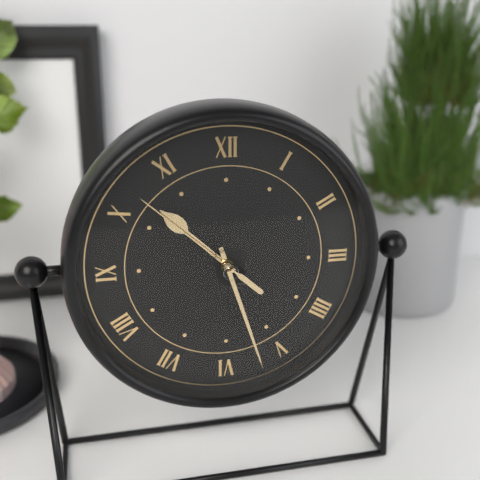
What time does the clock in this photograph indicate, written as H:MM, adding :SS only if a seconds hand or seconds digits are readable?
10:27:52
